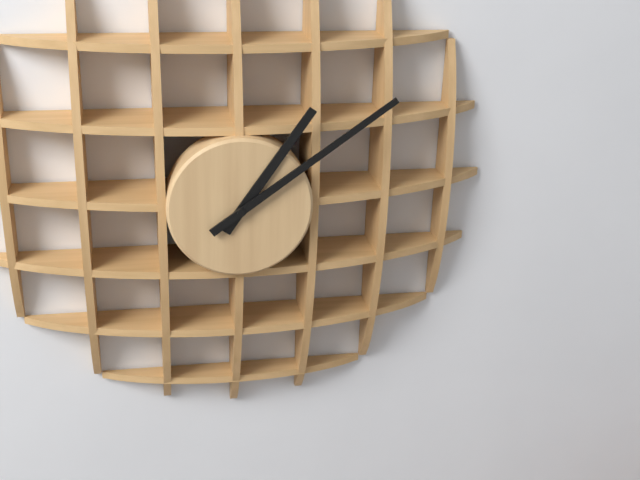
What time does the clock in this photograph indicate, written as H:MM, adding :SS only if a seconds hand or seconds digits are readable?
1:09
